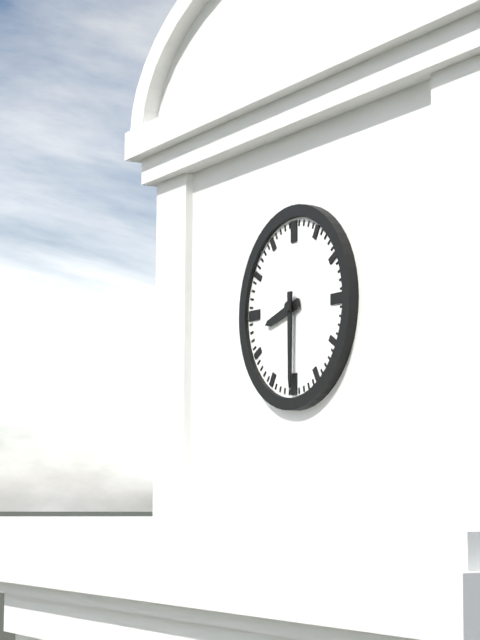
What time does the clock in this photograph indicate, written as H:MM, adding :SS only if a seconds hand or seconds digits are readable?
8:30
